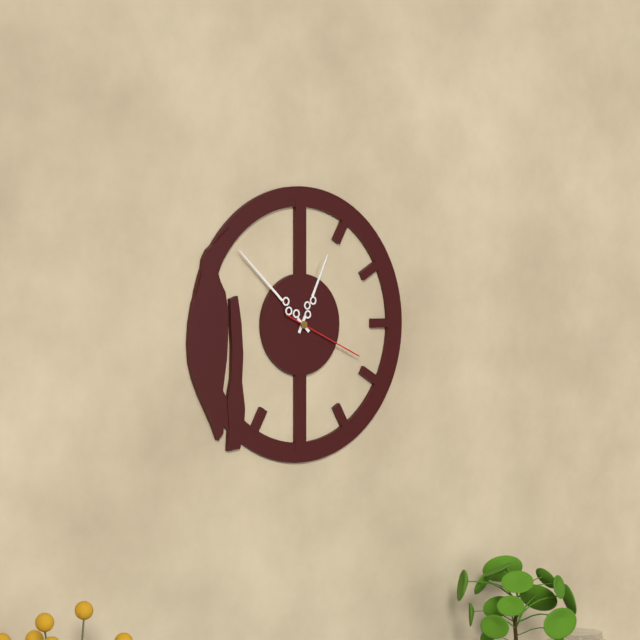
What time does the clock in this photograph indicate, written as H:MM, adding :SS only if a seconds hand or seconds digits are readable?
12:52:19
